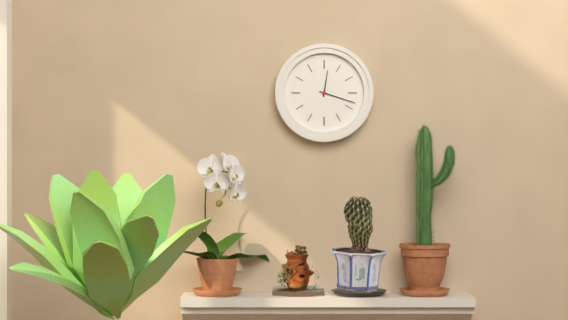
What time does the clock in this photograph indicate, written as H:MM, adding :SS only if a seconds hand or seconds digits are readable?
12:18
